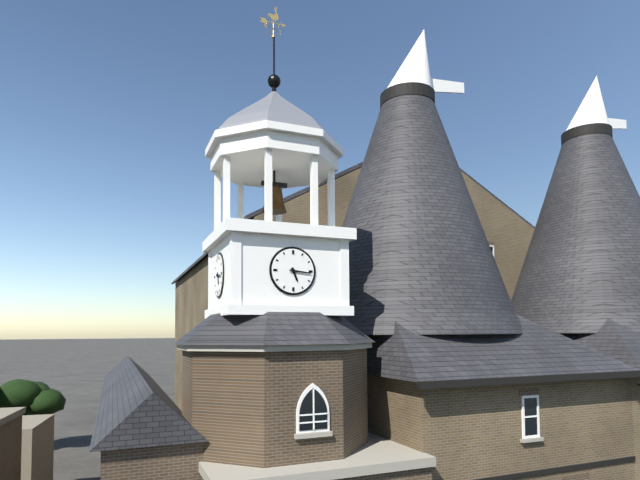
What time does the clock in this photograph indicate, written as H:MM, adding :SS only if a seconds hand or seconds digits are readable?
5:16
